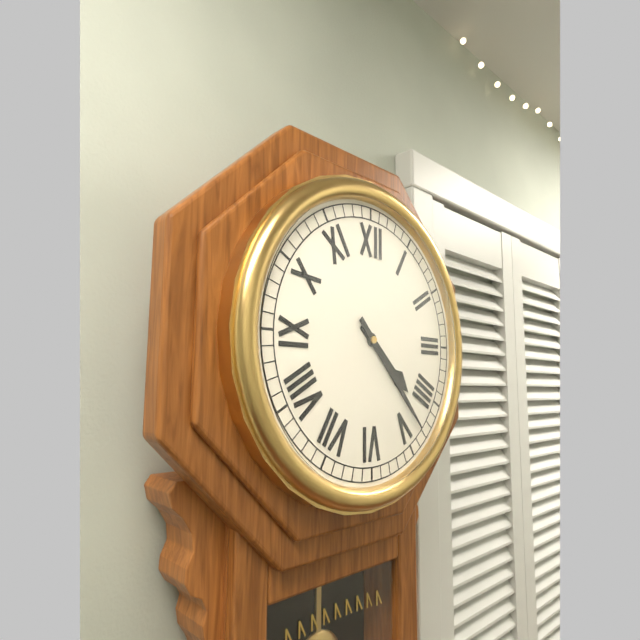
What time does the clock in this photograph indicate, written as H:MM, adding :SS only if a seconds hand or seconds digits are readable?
4:23
